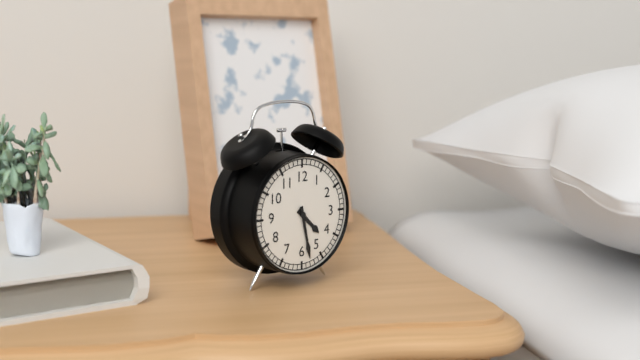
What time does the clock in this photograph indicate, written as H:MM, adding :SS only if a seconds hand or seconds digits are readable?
4:28
